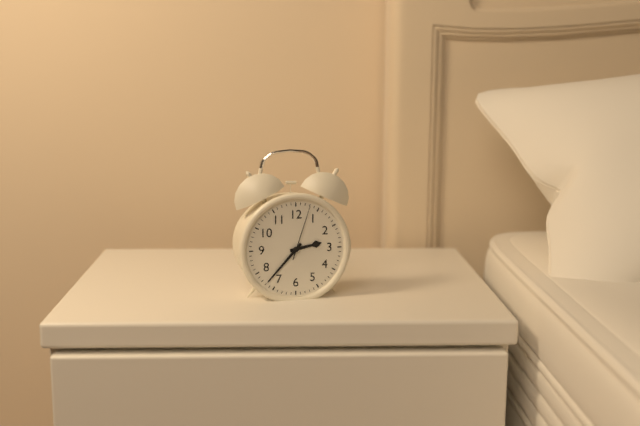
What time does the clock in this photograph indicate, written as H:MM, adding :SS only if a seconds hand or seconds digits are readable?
2:37:03
